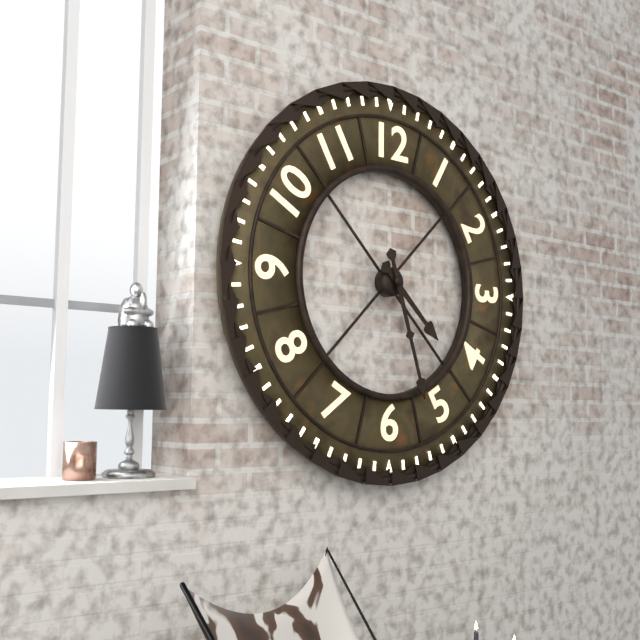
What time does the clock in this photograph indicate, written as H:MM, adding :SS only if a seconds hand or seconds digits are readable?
4:27
